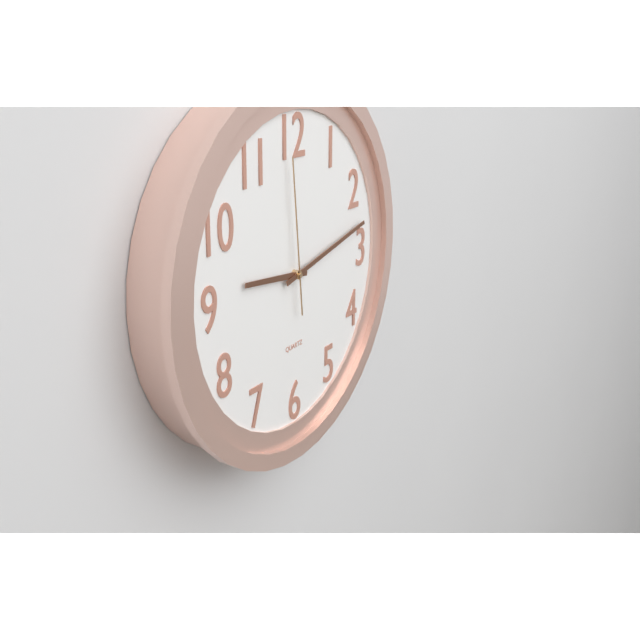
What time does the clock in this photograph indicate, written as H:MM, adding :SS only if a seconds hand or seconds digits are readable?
9:13:59
